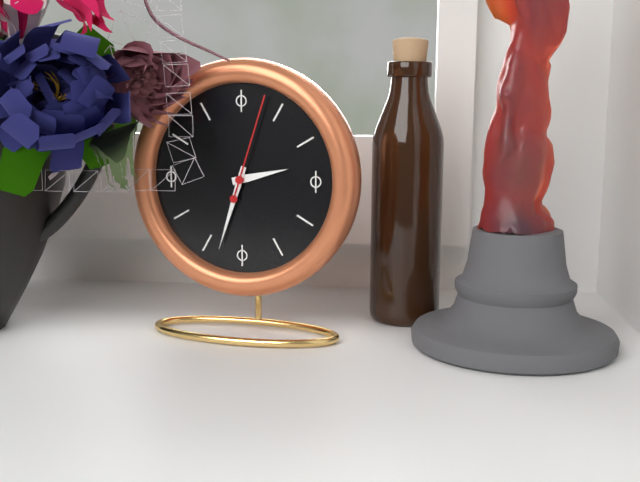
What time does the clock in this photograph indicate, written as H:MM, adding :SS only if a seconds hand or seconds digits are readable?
2:33:03
